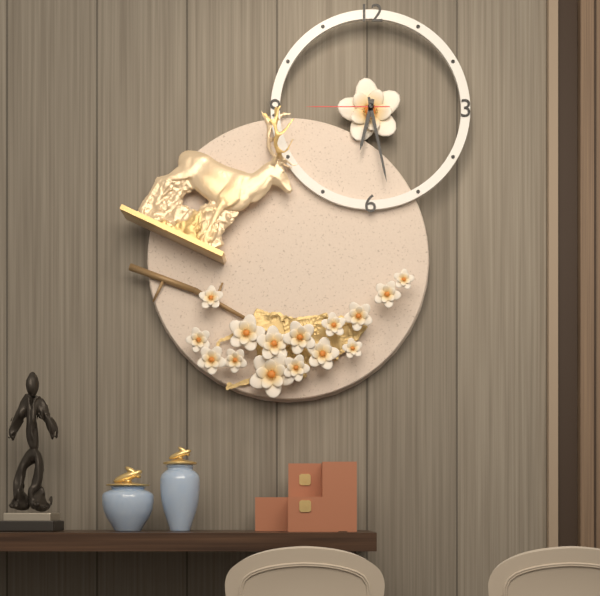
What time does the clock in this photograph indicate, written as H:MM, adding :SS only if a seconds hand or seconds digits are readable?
6:28:45
